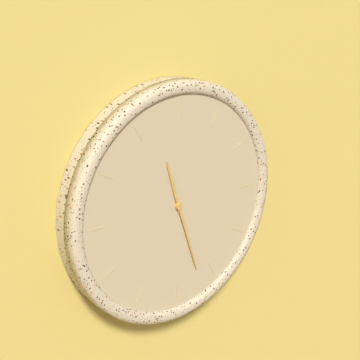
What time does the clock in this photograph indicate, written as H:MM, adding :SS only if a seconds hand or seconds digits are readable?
11:27
